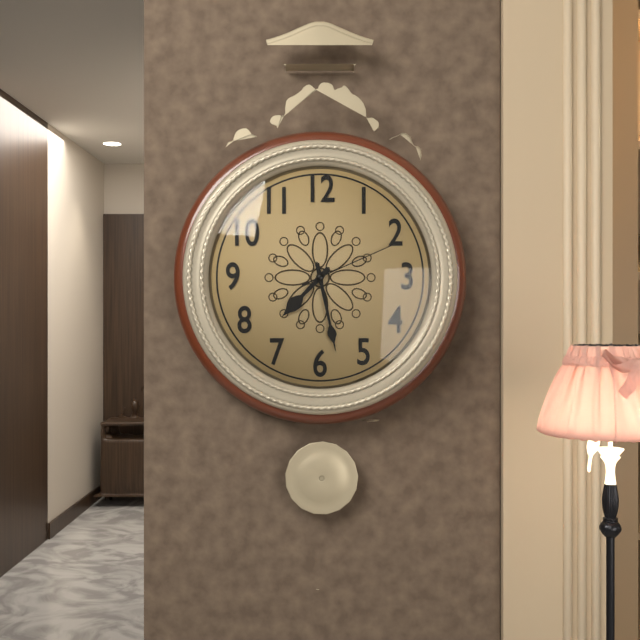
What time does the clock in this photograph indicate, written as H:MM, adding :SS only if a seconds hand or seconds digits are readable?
7:28:11
